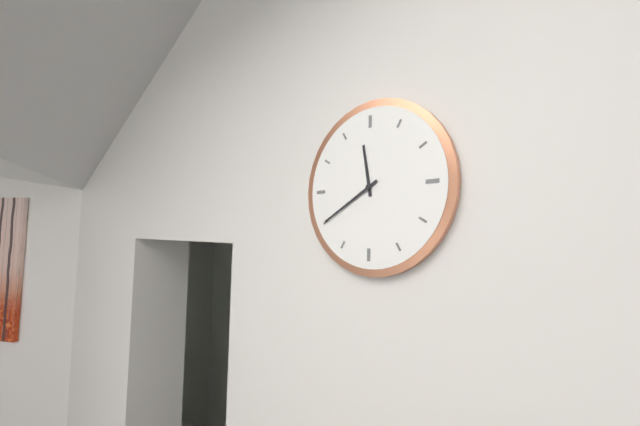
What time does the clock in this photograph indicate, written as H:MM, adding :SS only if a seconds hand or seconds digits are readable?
11:40
